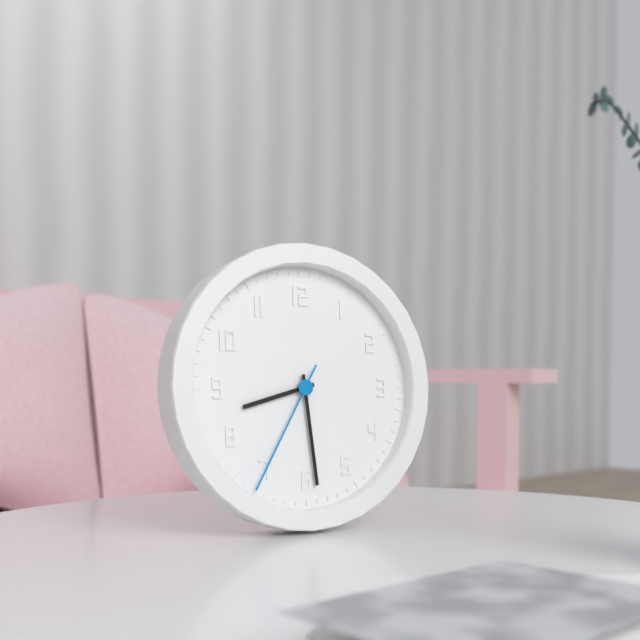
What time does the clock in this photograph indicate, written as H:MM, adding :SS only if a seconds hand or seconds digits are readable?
8:29:35
